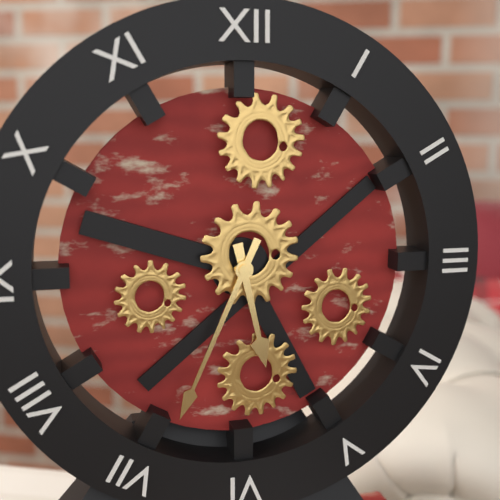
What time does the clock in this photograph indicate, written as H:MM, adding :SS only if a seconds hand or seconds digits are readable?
5:34
